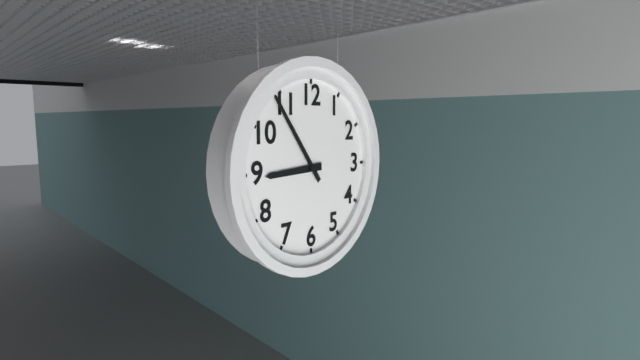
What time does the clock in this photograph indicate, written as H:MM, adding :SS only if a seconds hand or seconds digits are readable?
8:54
